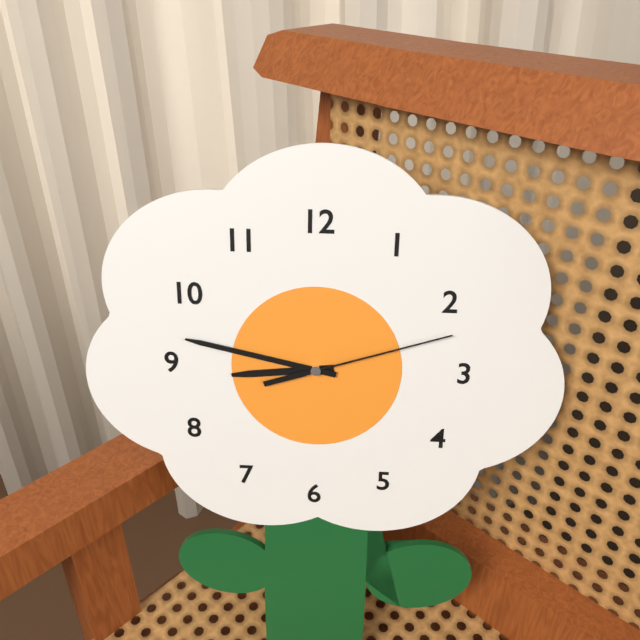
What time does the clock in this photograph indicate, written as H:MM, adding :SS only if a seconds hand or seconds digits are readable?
8:47:12
